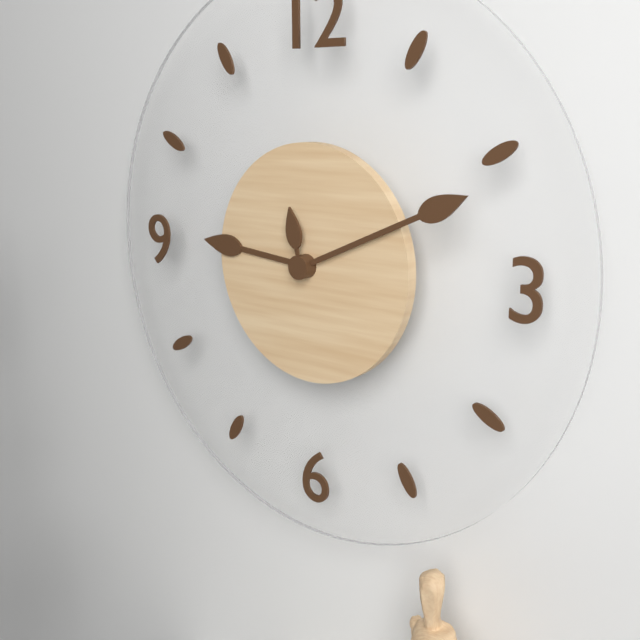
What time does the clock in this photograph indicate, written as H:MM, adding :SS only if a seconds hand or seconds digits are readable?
9:11:58
